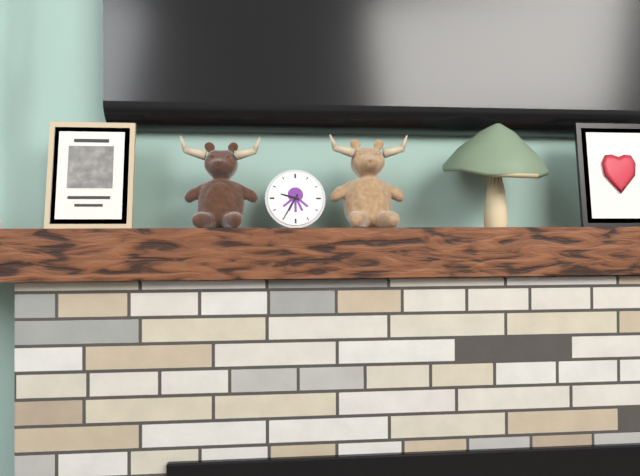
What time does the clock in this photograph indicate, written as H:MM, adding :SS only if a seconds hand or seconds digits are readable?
9:35
